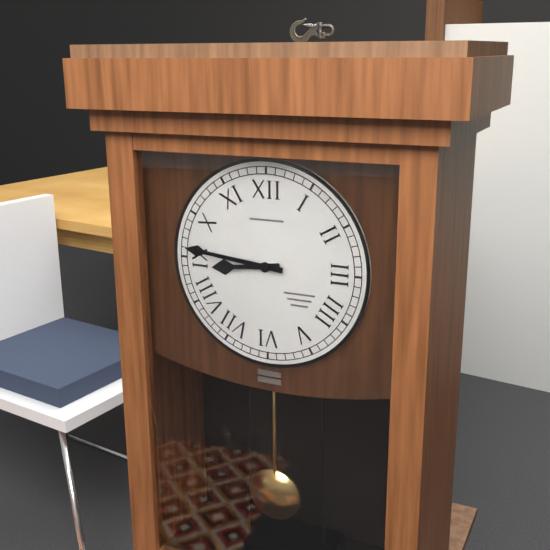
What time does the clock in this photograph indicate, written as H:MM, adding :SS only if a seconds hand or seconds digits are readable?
8:46
